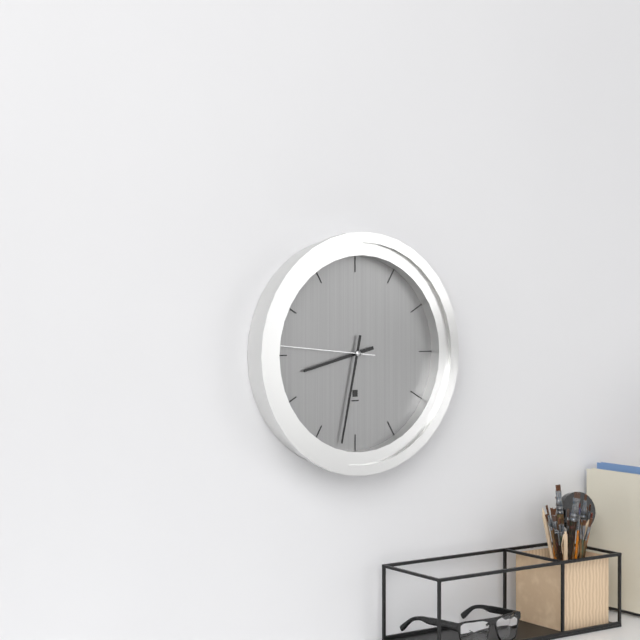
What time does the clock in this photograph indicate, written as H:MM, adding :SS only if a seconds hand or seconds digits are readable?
8:32:46
